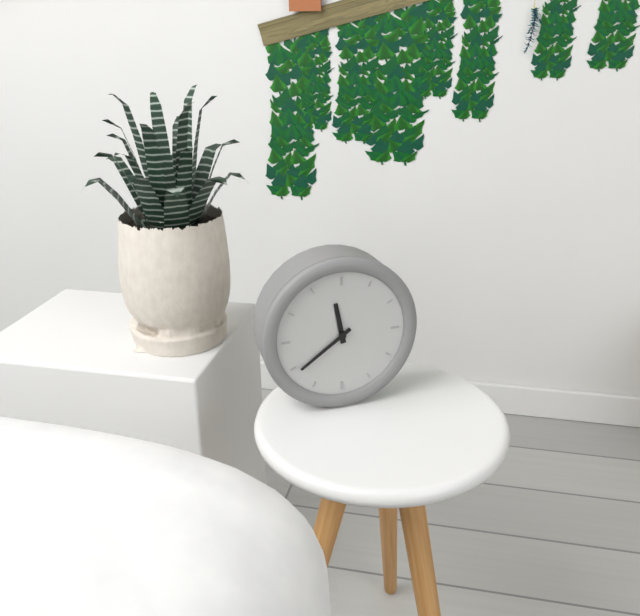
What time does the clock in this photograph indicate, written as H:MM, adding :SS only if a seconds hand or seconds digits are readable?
11:39
